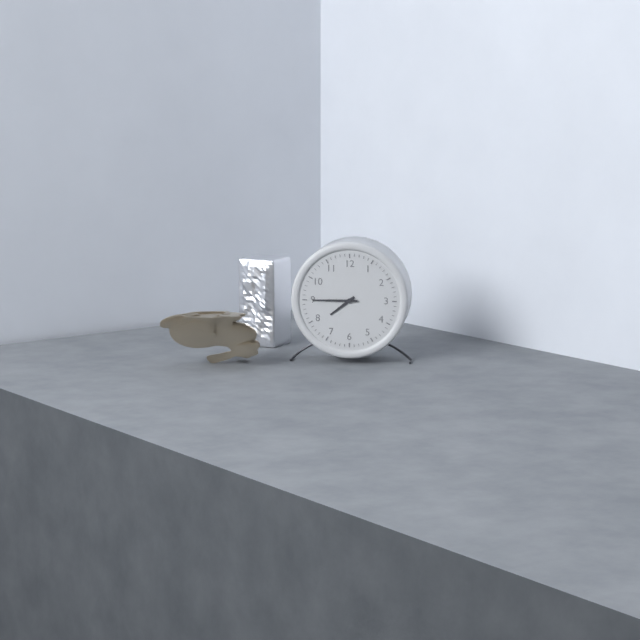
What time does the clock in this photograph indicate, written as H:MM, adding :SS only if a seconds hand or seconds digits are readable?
7:45
